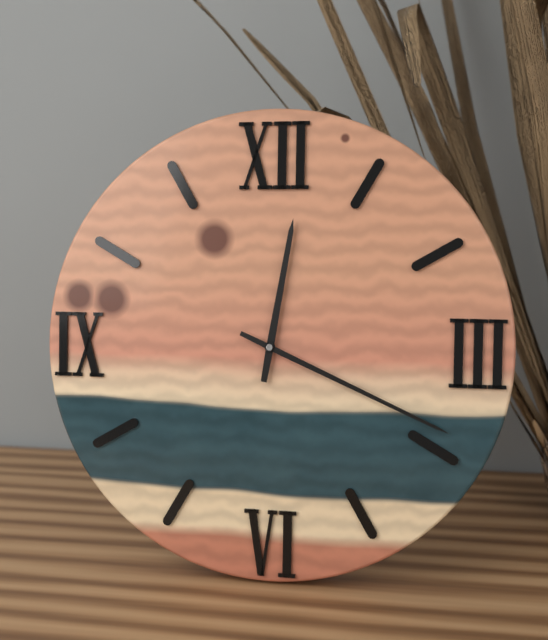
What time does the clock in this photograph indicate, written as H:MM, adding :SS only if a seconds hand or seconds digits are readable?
12:19
